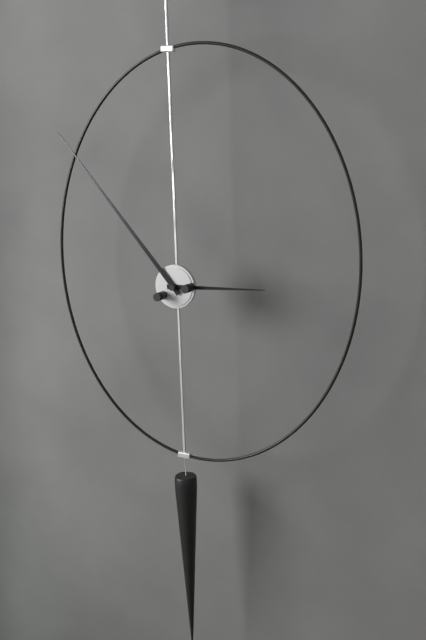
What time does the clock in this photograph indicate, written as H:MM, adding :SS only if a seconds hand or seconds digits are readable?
2:53
